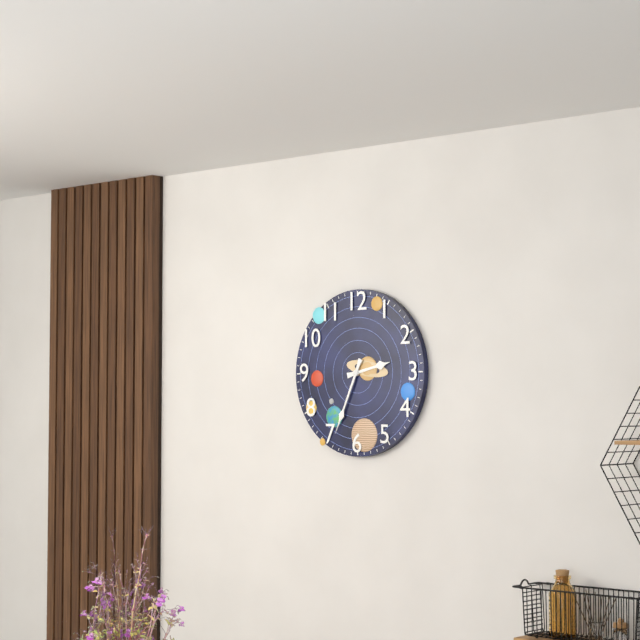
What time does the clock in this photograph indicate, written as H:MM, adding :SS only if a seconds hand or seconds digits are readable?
2:34
